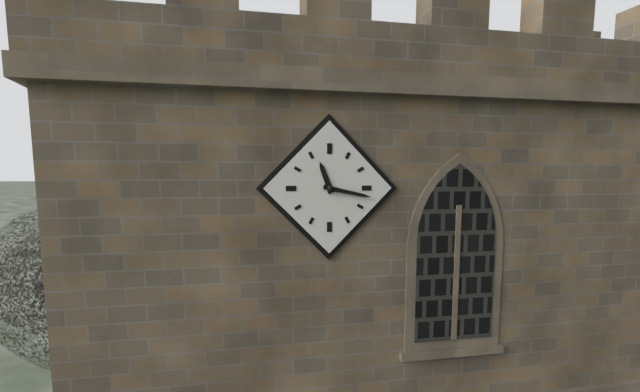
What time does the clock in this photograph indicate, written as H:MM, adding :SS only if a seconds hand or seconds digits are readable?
11:17
